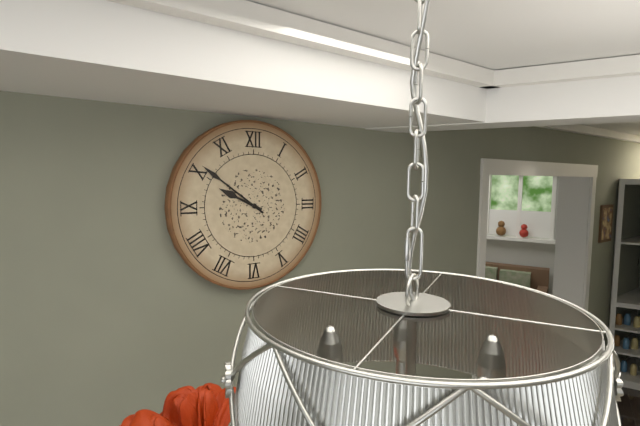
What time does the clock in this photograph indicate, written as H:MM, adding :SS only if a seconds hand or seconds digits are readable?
9:51
